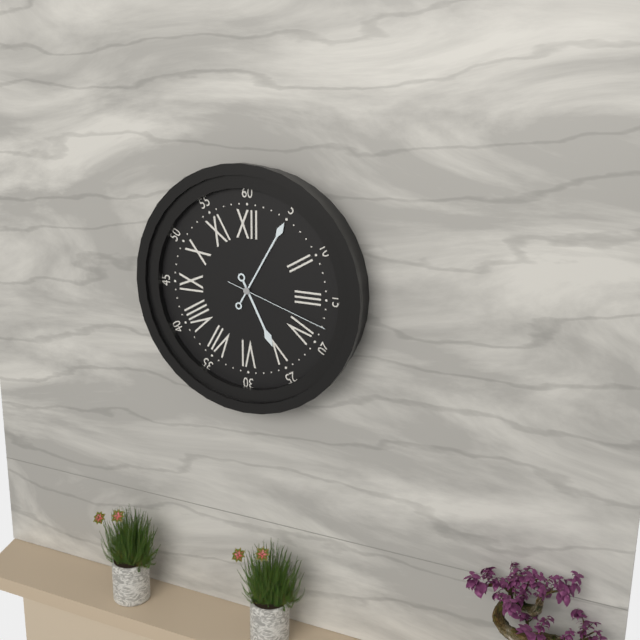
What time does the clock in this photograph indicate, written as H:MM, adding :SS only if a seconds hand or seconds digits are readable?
5:05:18
